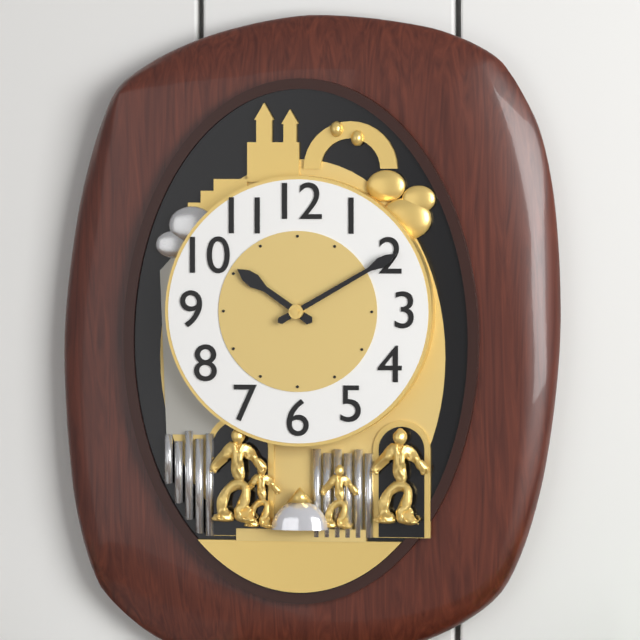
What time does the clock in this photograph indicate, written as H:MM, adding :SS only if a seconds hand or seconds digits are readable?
10:10
